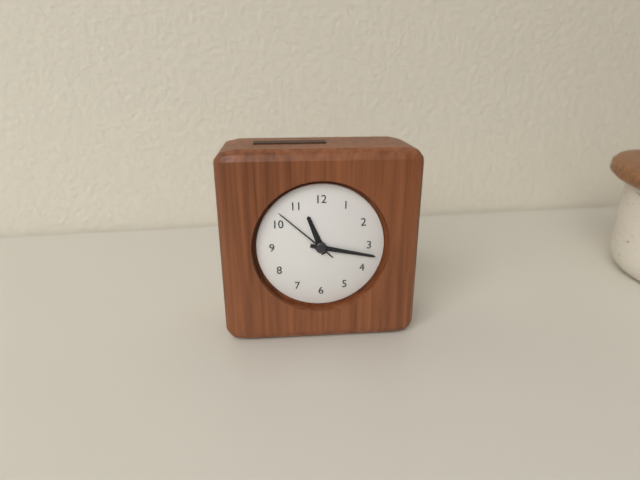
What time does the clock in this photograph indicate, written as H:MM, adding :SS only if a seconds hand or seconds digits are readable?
11:17:52
